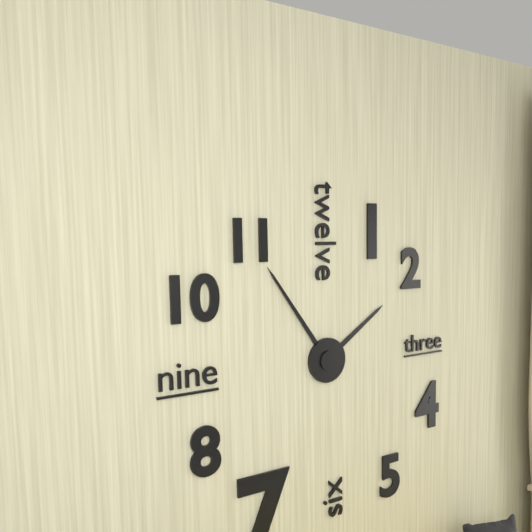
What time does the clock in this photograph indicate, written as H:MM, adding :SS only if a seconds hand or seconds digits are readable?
1:54
